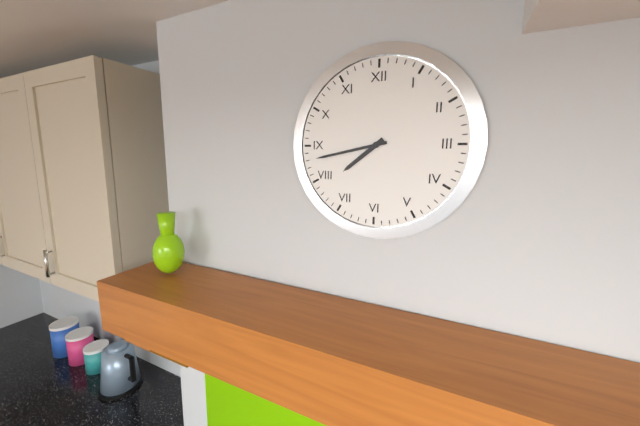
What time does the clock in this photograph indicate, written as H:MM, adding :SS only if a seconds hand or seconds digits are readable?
7:43
